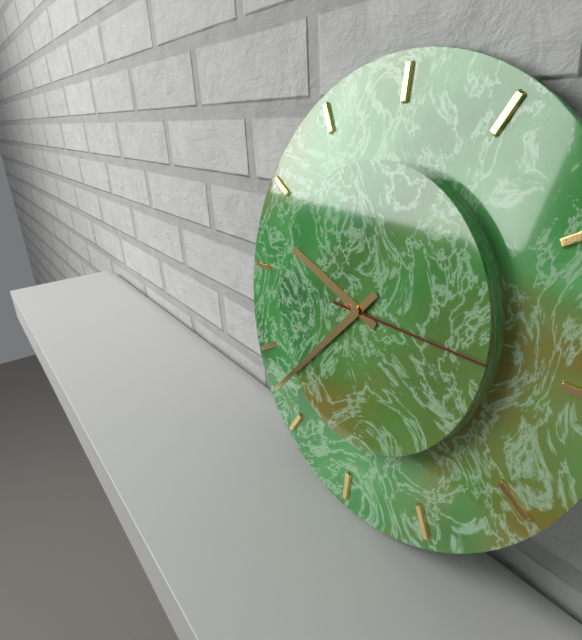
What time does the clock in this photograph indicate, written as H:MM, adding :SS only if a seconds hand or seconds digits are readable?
9:37:15
